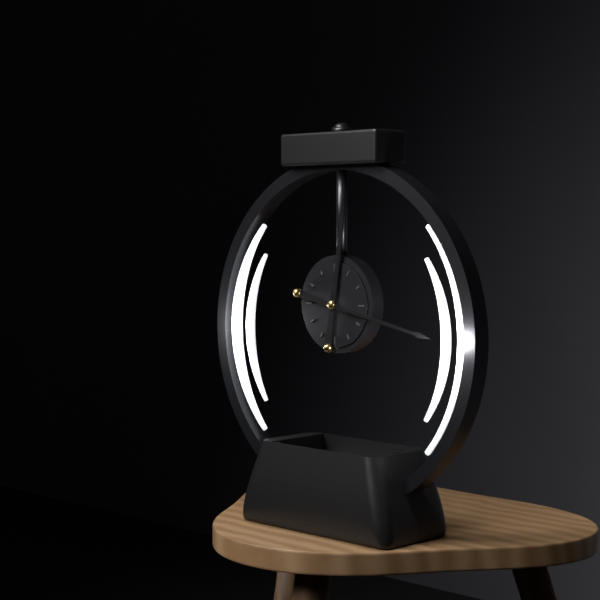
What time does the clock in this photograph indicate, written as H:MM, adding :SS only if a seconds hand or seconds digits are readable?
12:17
